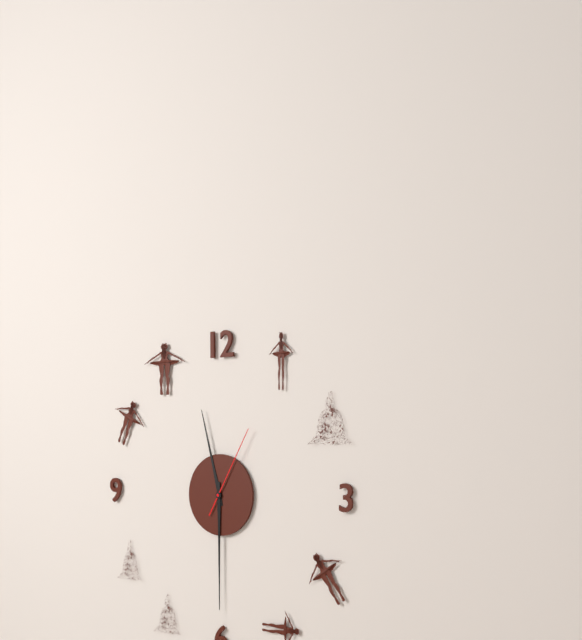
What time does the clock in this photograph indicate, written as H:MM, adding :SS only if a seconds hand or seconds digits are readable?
11:30:05
